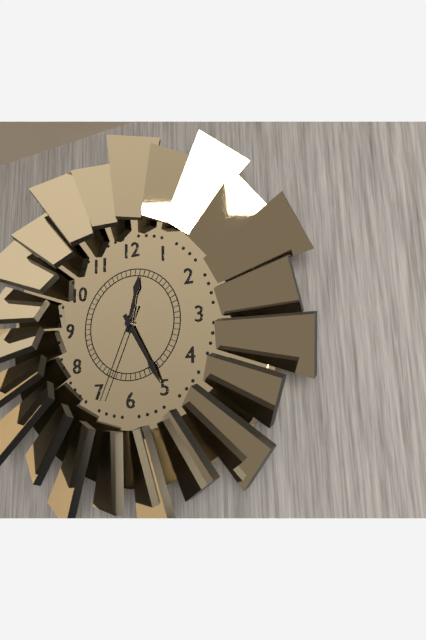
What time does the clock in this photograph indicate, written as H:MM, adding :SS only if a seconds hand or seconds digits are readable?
12:25:34
